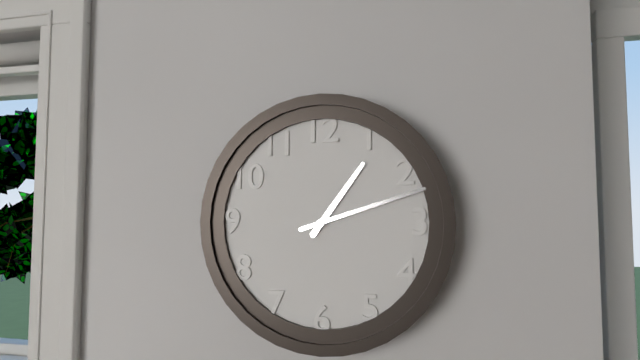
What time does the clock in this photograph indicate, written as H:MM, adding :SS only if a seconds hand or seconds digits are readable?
1:12
